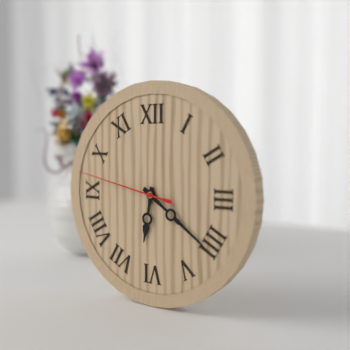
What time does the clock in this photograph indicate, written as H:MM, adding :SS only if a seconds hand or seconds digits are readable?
6:21:47
